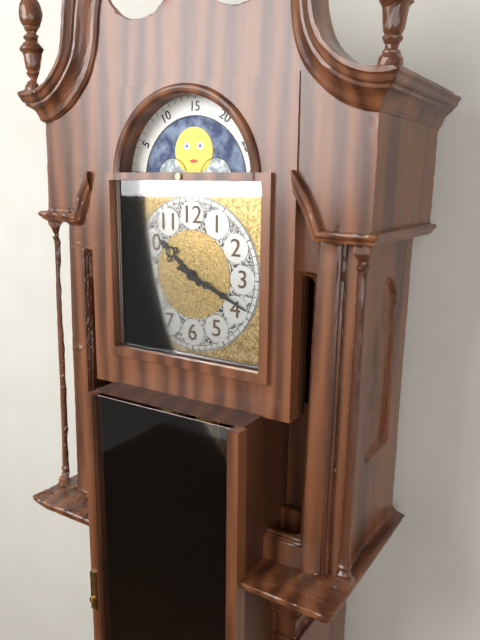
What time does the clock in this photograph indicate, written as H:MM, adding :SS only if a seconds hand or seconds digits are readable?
10:19
